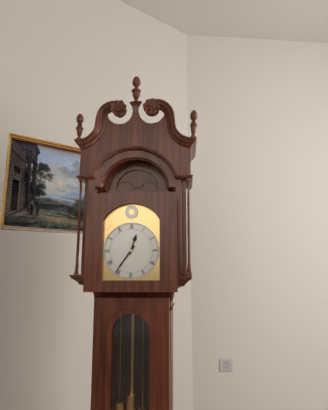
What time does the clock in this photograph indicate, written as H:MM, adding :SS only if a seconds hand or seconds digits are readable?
12:36
